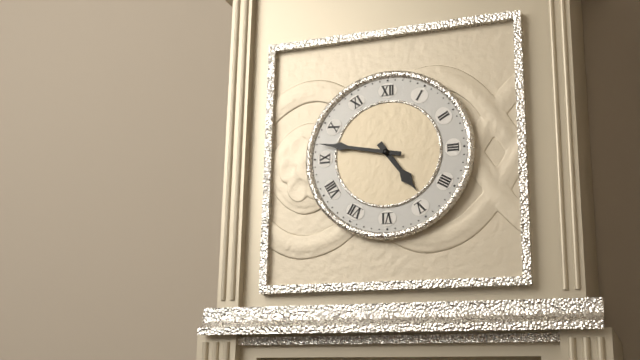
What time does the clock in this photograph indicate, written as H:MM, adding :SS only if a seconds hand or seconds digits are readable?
4:47
